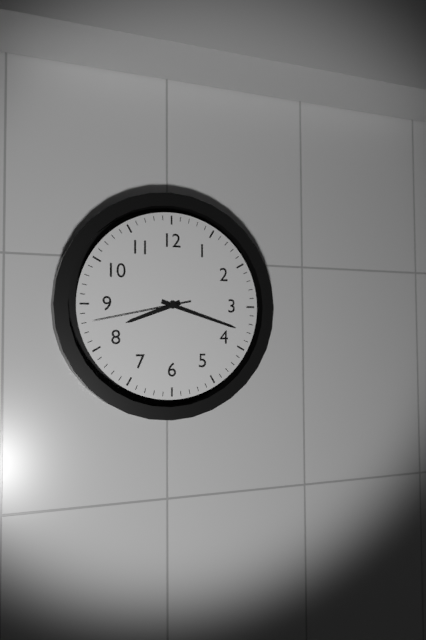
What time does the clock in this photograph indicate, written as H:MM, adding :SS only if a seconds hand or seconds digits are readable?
8:18:43
